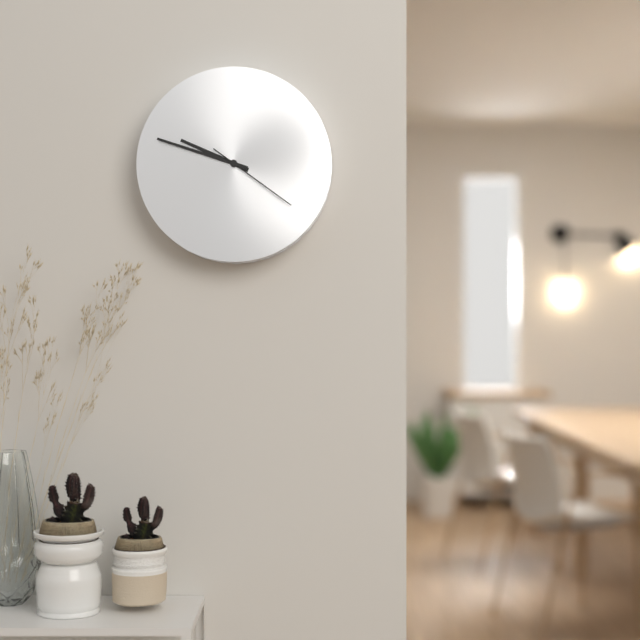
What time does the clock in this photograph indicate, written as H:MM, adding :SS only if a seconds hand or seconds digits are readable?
9:48:21
